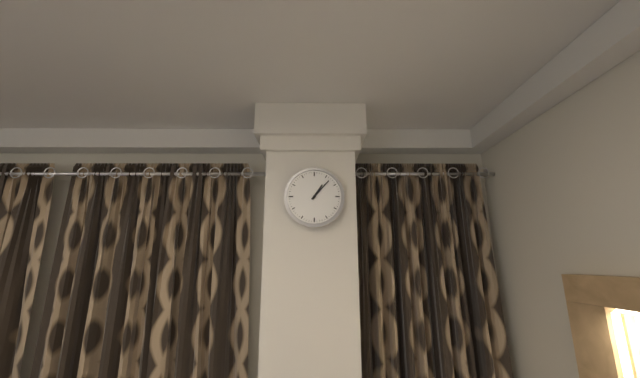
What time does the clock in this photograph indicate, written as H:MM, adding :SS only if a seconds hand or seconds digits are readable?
1:07
